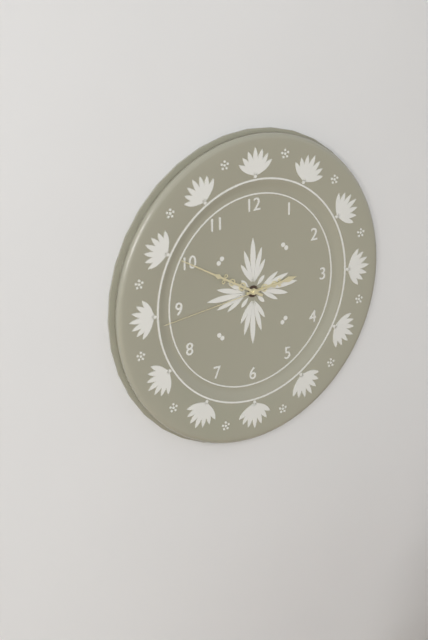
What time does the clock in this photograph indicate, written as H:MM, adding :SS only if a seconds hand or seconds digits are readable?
2:50:44
